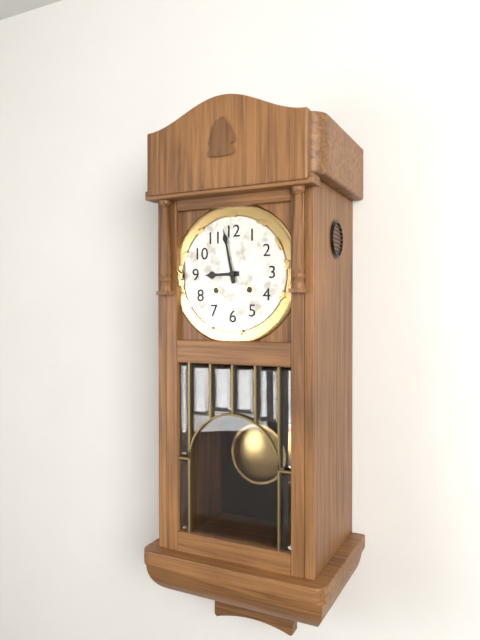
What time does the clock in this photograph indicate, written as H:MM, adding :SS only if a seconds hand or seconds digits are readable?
8:58
